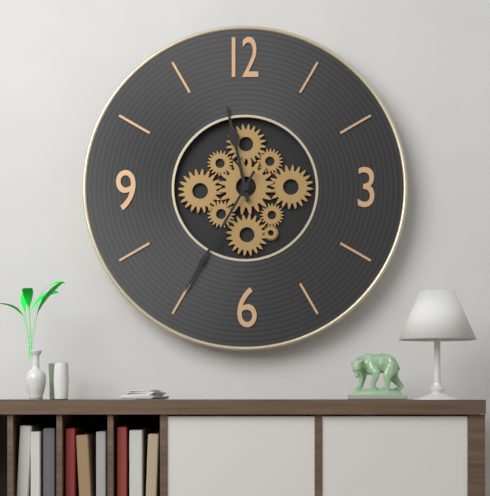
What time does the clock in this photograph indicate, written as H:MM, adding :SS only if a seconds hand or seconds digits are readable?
11:35
